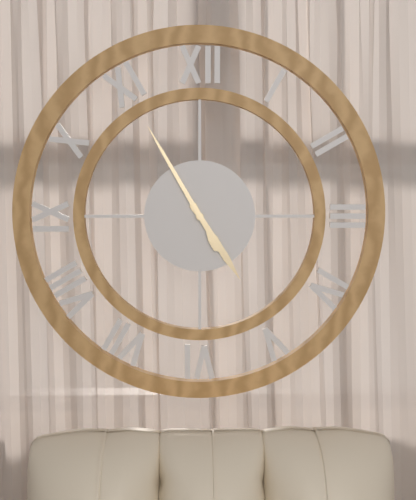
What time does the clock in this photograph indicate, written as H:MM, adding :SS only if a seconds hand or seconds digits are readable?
4:55
